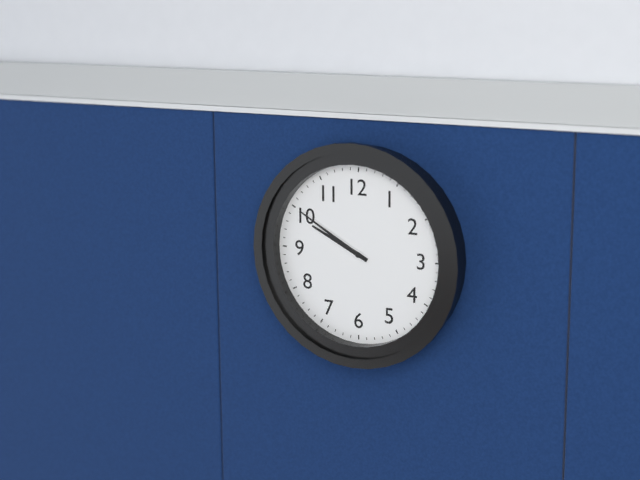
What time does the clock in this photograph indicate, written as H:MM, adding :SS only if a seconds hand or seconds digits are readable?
9:50
